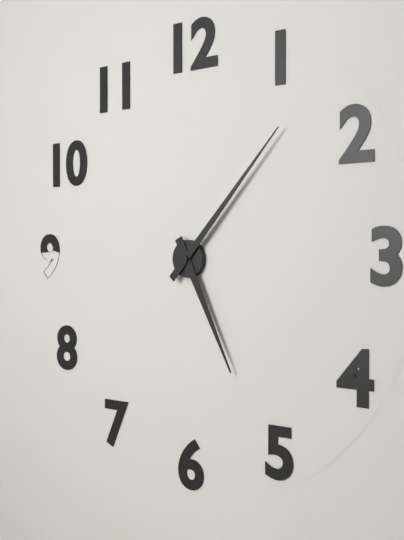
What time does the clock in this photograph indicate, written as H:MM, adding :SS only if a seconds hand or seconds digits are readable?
5:07
